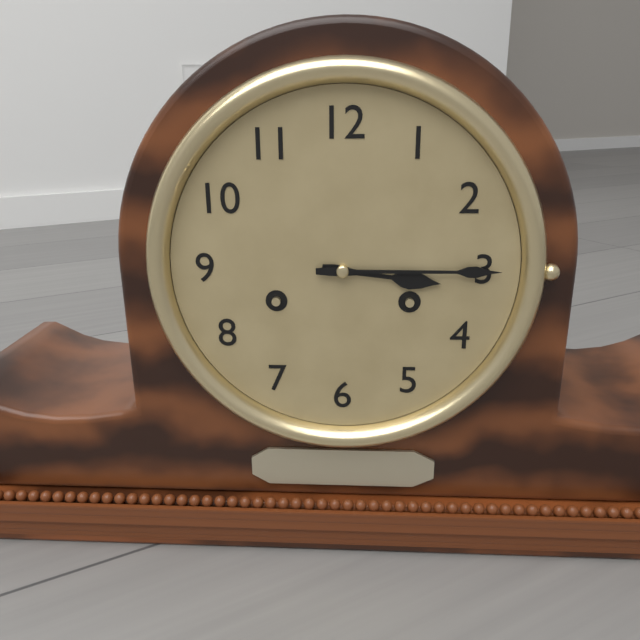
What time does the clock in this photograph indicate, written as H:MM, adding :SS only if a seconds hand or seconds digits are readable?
3:15
